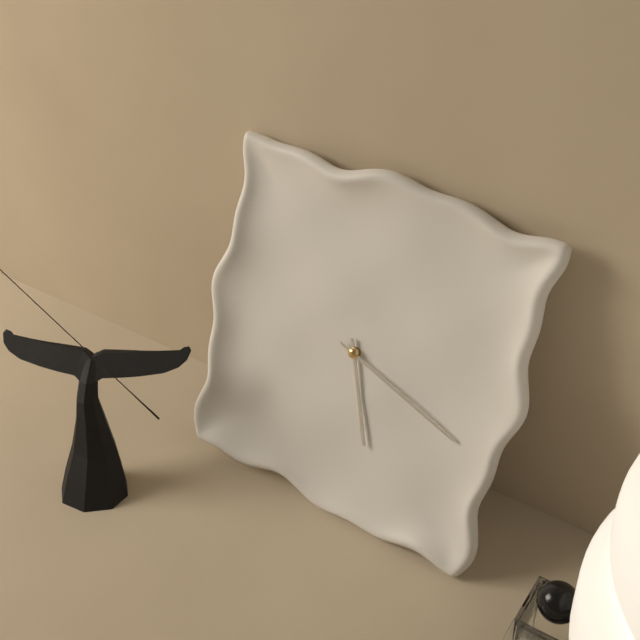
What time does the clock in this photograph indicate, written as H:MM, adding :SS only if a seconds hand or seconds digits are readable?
5:18
